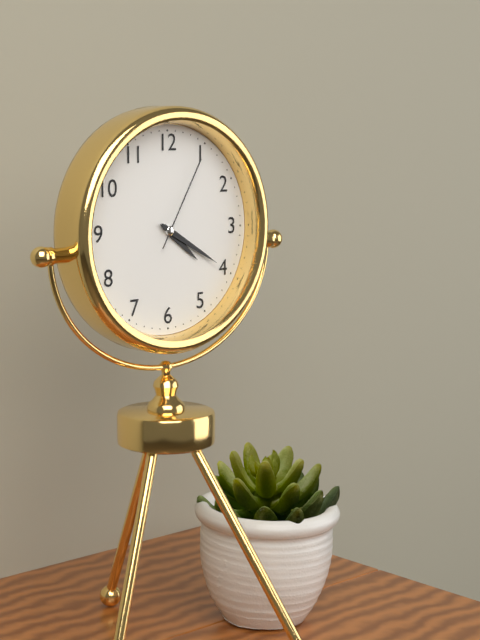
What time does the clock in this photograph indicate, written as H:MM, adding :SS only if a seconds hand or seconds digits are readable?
4:20:05
